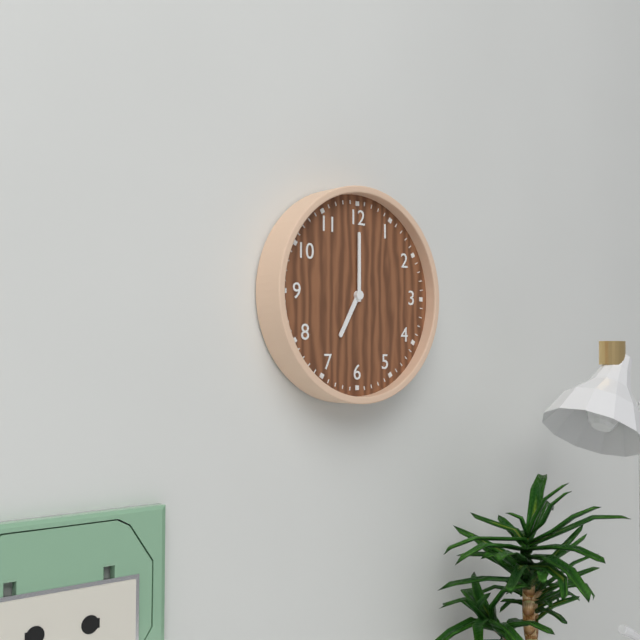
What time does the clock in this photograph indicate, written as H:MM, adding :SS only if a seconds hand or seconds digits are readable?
7:00
